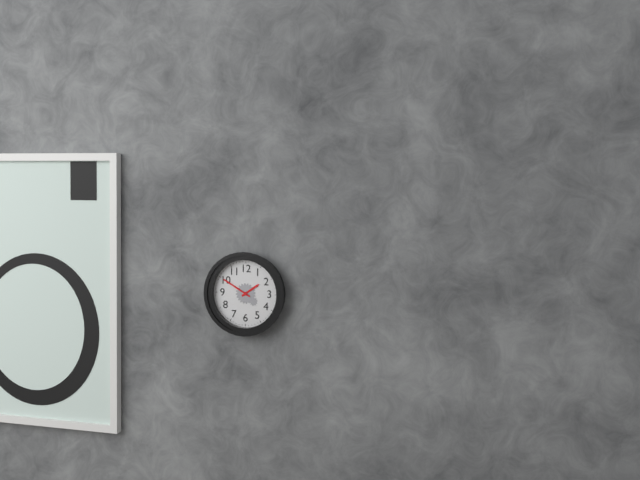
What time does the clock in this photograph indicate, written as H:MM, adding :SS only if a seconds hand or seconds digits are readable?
1:50
